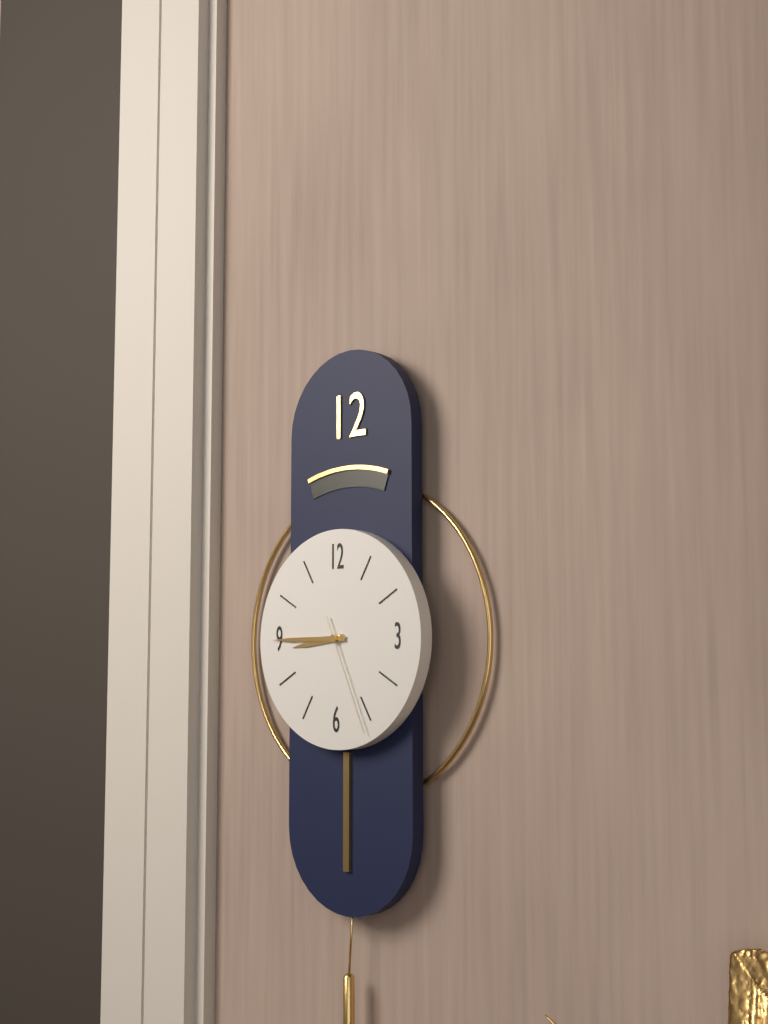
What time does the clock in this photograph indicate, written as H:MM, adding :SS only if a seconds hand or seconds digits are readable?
8:45:26
